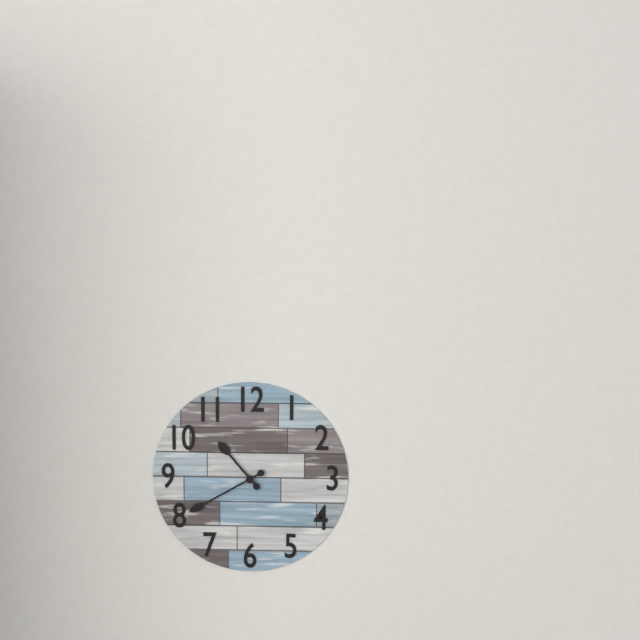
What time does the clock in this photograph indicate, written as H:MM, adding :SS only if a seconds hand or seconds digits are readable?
10:40
